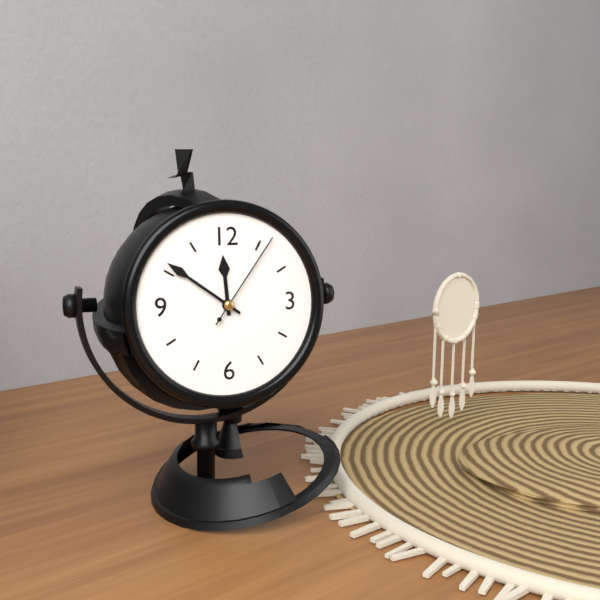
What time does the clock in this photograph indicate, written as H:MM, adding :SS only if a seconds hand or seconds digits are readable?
11:51:06
